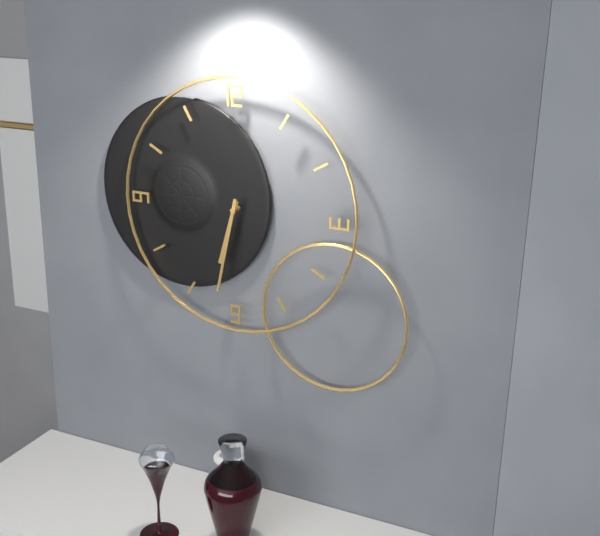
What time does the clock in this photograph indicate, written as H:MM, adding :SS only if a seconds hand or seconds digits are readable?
6:32
